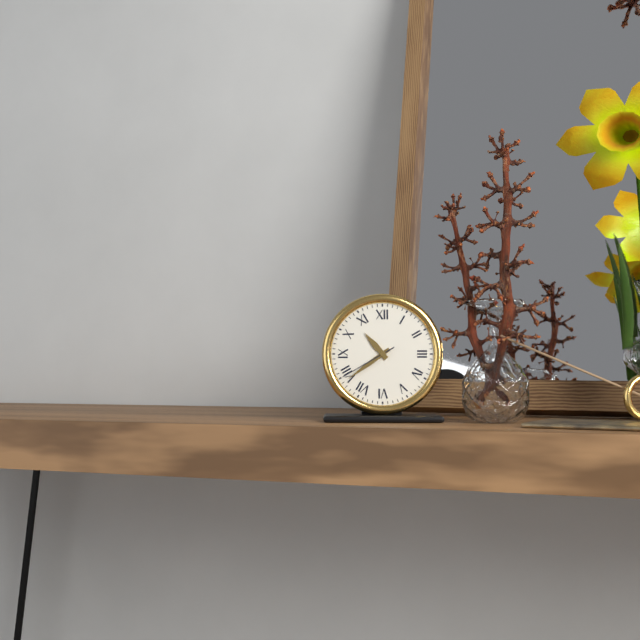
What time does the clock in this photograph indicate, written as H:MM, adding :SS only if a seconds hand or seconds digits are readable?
10:39:40
